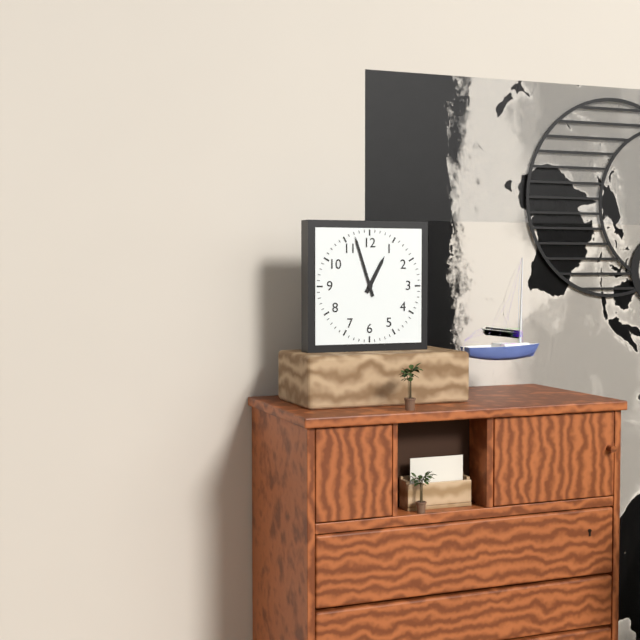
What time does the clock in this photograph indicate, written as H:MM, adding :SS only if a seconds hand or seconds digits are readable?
12:57
